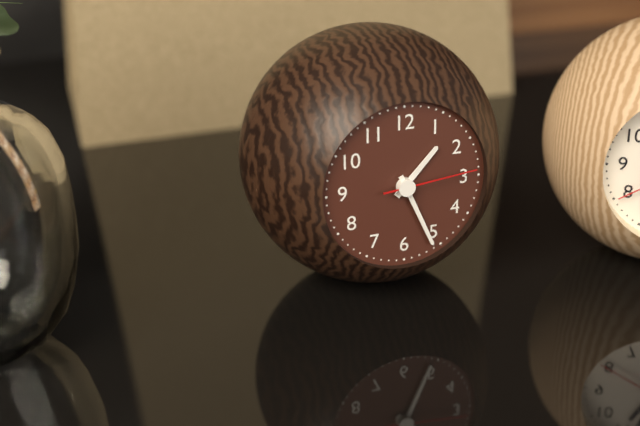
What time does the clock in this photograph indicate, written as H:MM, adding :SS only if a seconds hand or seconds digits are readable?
1:26:14
